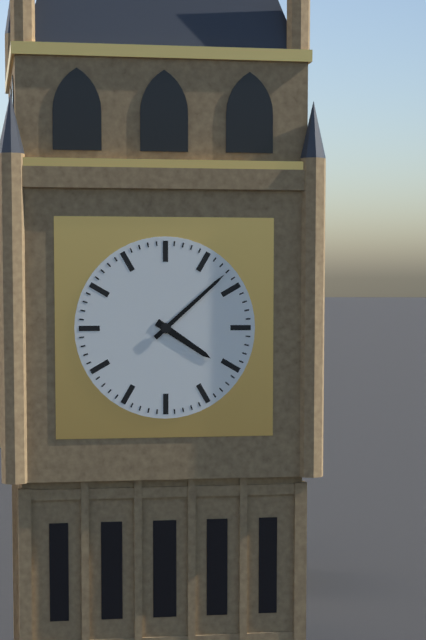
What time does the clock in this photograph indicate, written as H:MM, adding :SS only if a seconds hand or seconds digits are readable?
4:08
